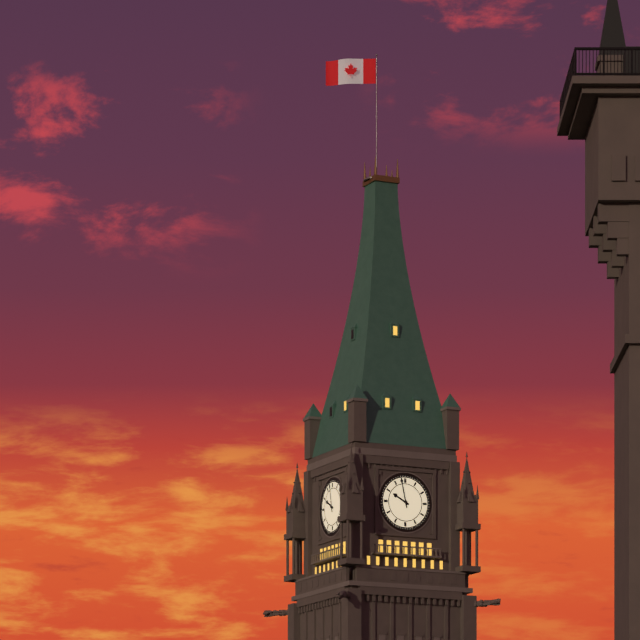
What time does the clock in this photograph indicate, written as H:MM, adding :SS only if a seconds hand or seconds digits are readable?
9:58
